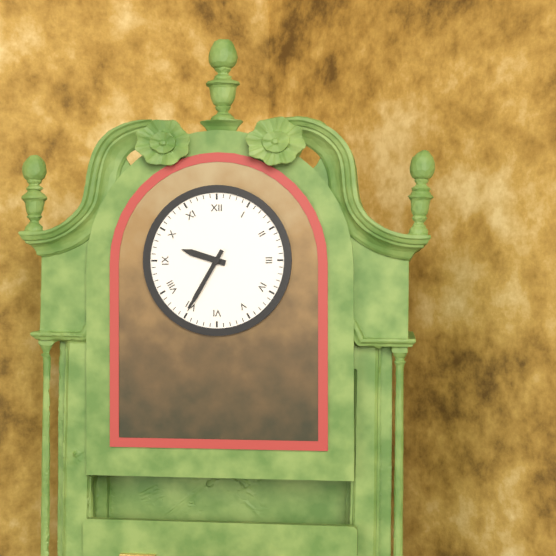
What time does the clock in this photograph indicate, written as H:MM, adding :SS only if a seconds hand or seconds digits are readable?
9:35
